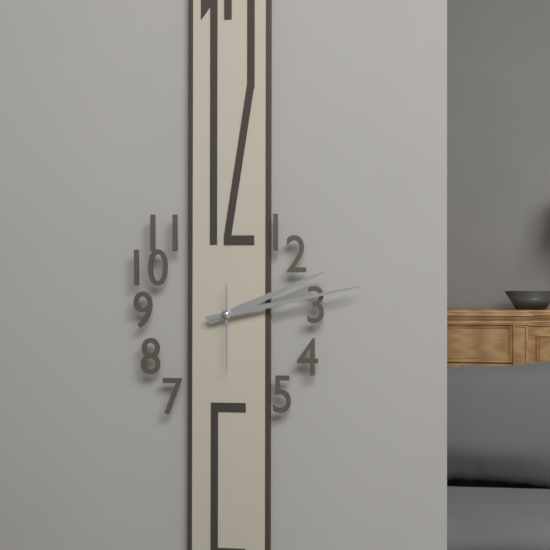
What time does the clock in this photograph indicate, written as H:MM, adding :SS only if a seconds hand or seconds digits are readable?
2:13:30
